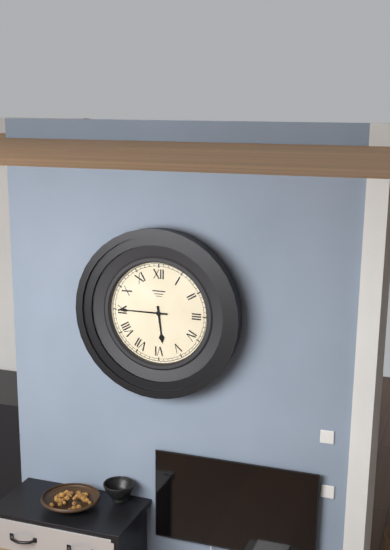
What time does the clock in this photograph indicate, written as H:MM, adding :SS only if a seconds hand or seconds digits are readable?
5:45
